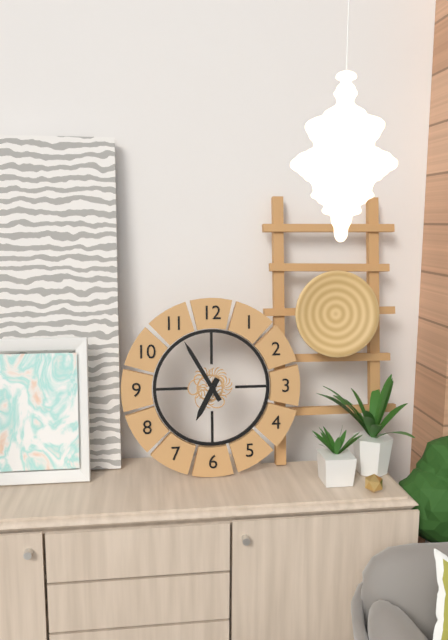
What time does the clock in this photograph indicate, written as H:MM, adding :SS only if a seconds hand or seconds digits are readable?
6:55
